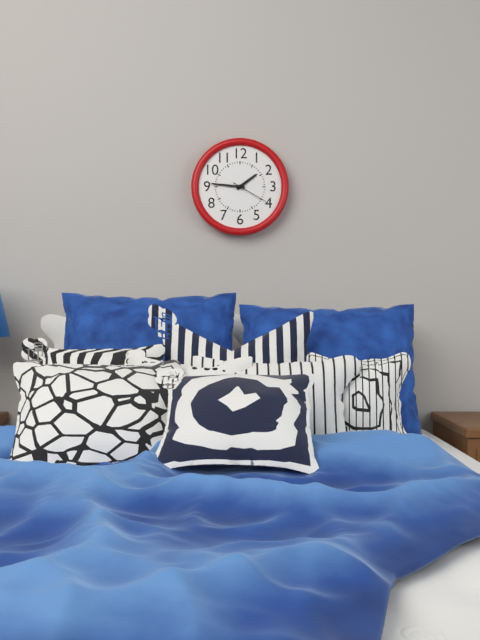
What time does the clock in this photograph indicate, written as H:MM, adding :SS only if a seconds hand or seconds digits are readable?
1:46
